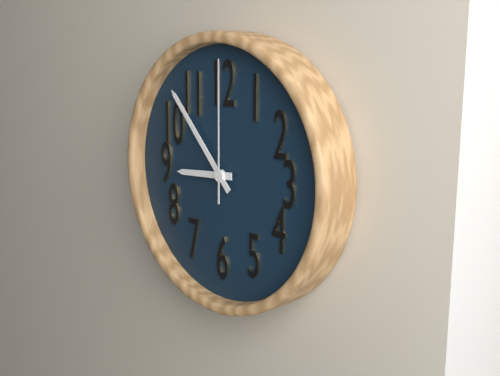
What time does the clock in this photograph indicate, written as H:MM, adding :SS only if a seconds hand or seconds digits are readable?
8:53:00
